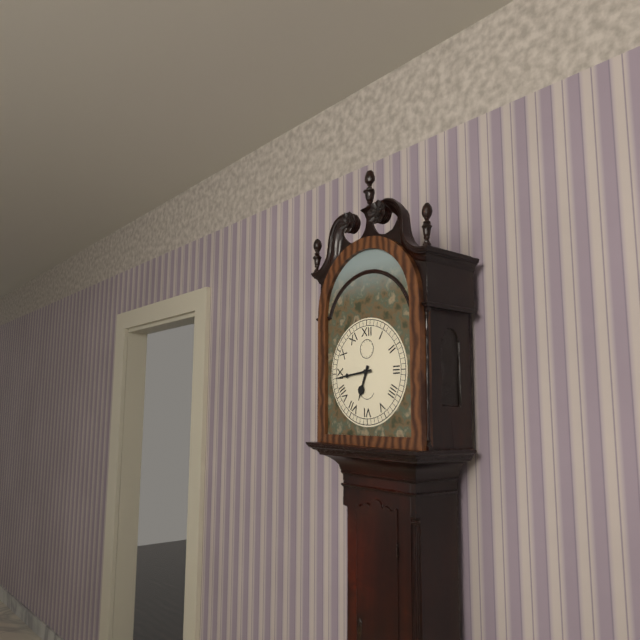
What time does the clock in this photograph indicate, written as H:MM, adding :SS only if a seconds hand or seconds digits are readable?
6:44
